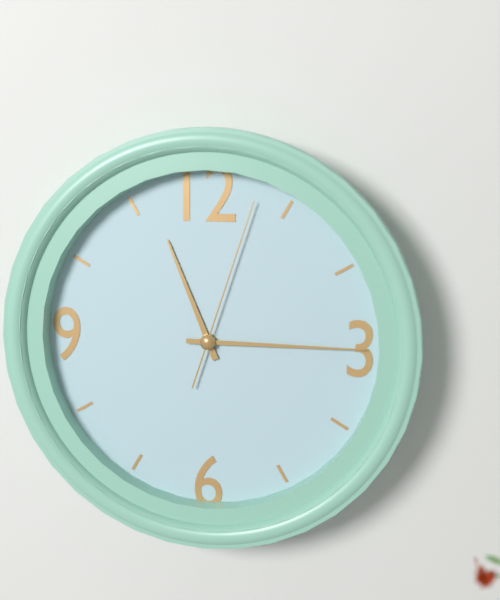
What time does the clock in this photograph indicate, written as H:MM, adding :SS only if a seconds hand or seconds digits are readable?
11:15:03
